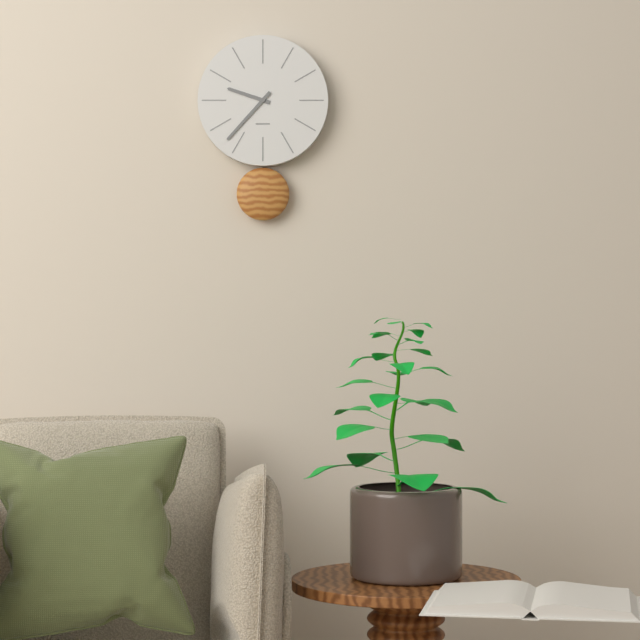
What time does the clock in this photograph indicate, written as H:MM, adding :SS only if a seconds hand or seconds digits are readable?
9:37
